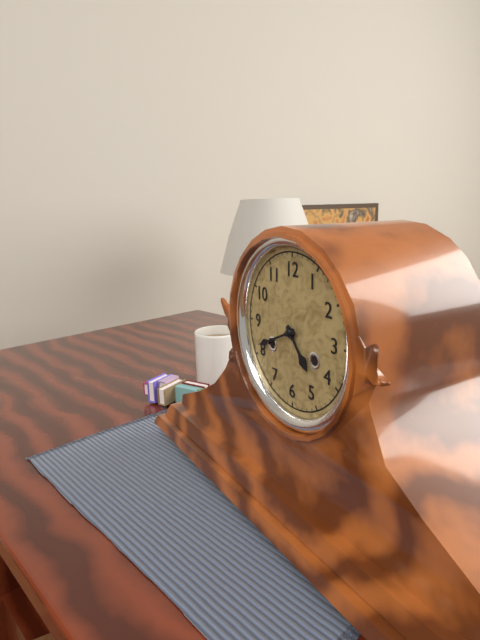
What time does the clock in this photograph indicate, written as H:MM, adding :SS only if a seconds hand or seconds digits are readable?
4:41
